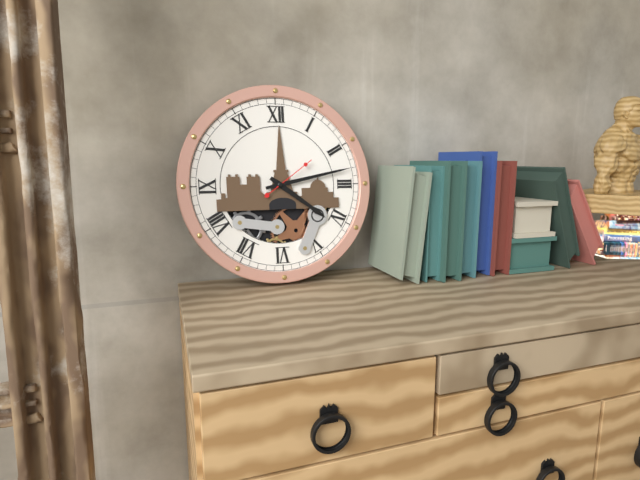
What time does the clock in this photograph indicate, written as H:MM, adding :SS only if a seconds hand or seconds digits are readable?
4:13:09
